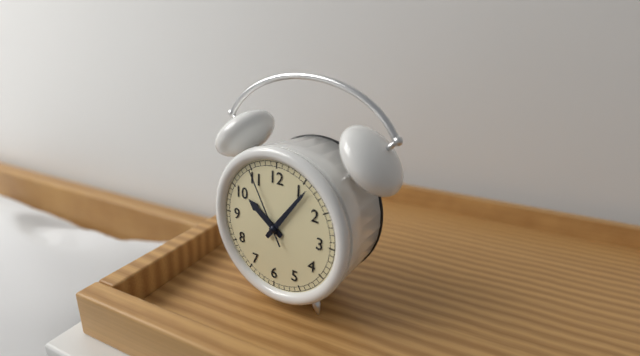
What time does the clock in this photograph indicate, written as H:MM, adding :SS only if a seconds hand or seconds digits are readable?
10:06:55
